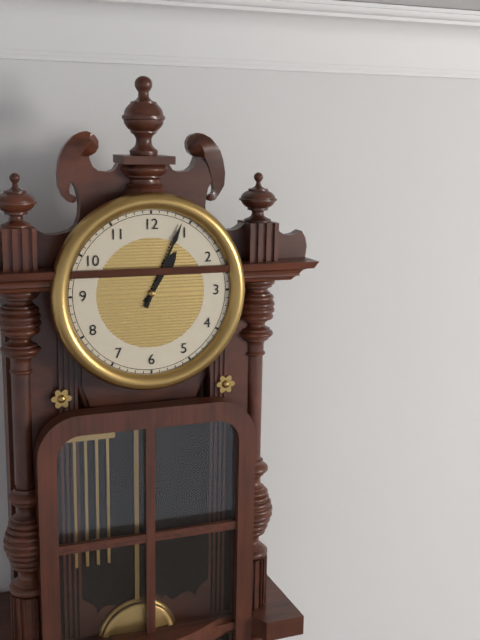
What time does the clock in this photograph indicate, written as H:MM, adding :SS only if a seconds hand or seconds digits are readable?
1:04
